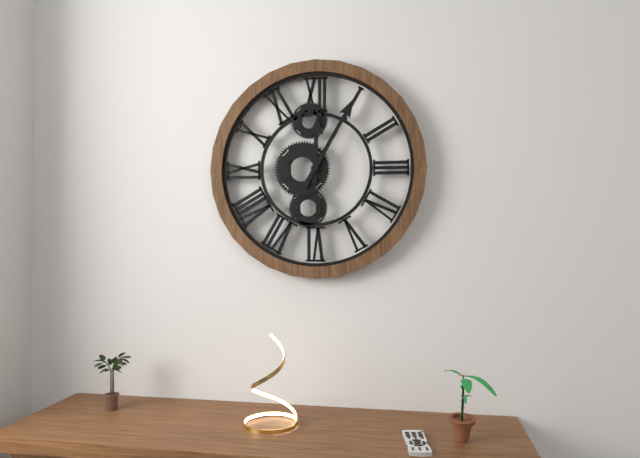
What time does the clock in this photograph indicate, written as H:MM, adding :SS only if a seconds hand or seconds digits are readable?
12:05
